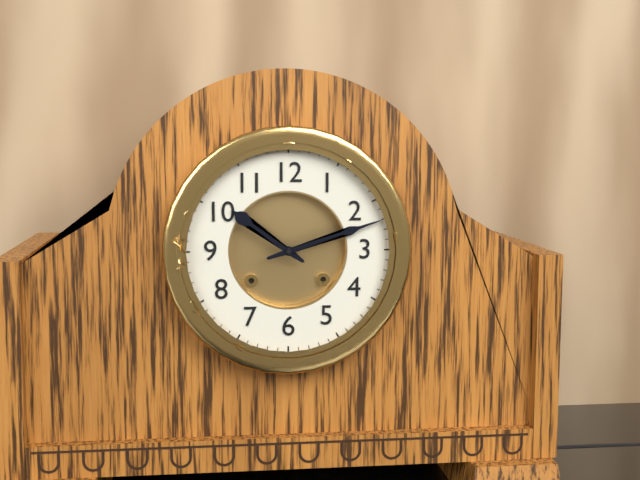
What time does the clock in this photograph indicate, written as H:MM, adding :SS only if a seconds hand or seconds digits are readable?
10:12
